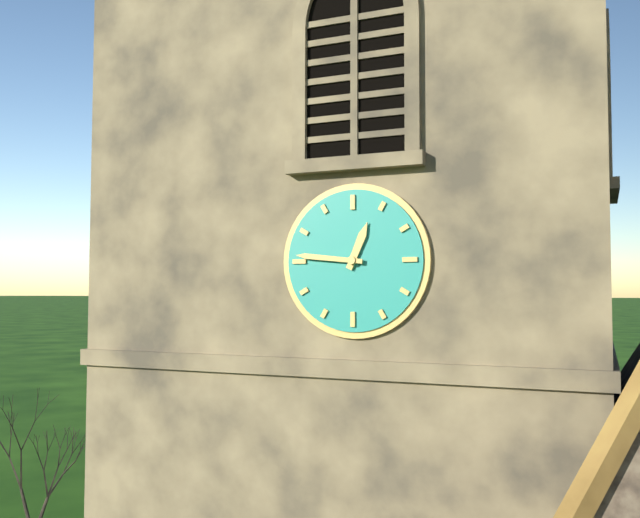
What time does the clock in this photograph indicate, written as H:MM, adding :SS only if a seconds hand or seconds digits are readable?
12:46
